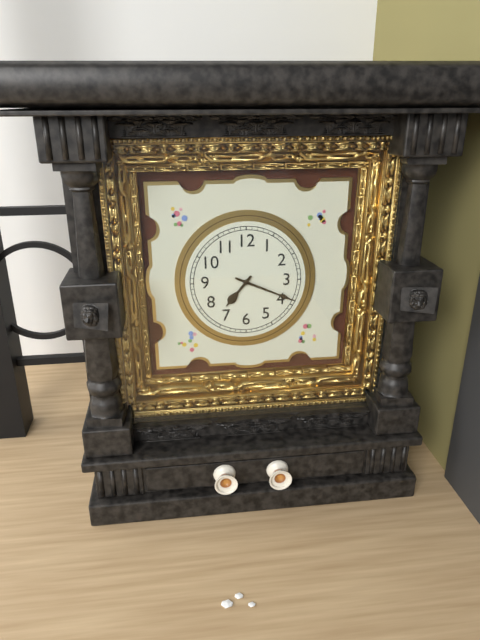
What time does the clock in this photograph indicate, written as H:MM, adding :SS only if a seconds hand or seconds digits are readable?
7:19
